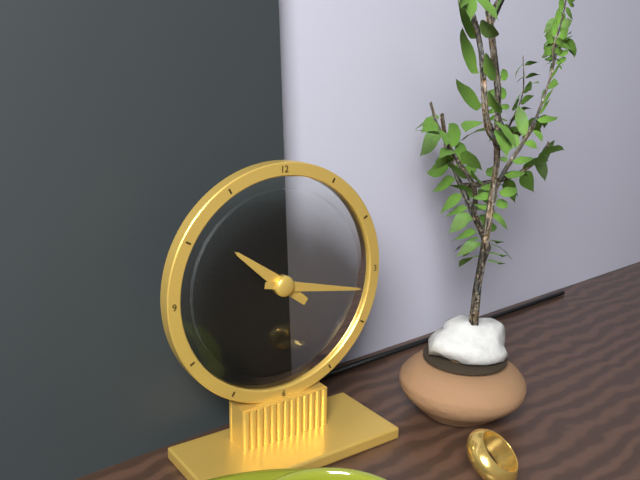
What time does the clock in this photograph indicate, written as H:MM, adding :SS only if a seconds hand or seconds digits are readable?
10:17
